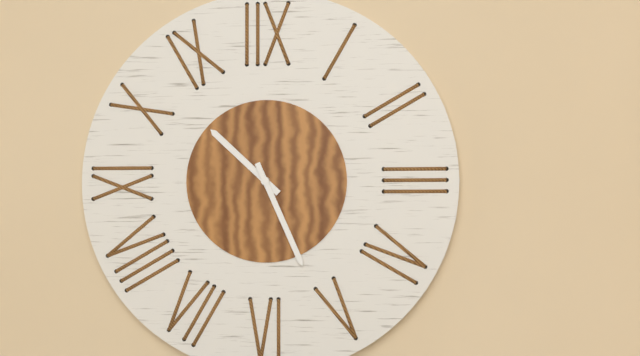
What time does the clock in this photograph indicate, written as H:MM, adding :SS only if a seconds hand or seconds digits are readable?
10:26
